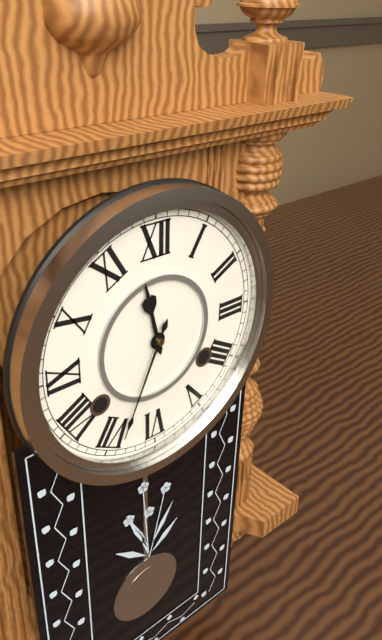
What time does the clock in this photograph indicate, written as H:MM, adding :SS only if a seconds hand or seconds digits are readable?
11:34
